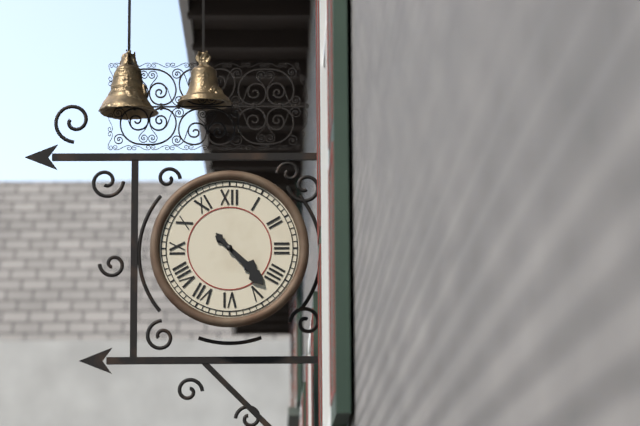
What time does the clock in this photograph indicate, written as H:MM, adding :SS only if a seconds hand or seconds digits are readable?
4:23
